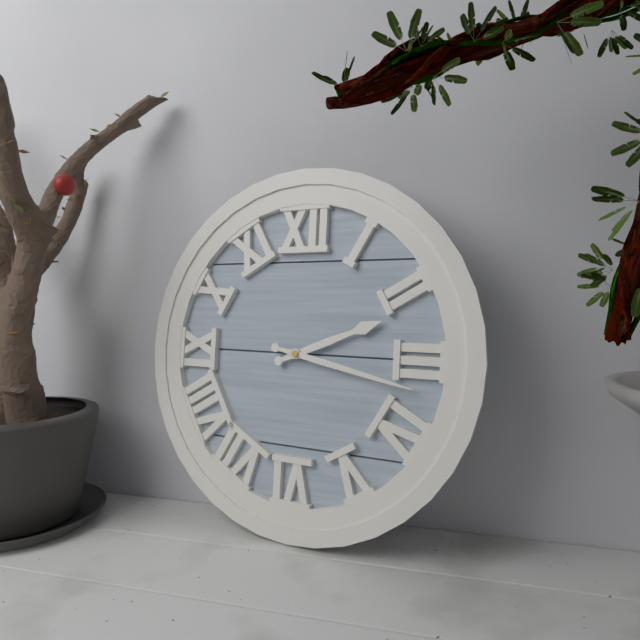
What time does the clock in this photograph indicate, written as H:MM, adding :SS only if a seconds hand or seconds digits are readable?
2:17
